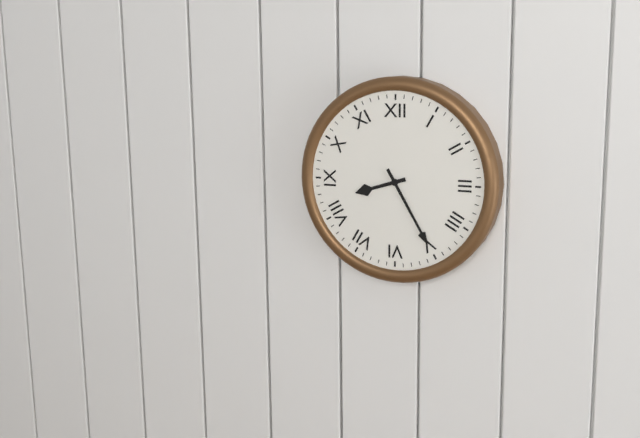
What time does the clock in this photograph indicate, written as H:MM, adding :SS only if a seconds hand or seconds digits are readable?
8:25
